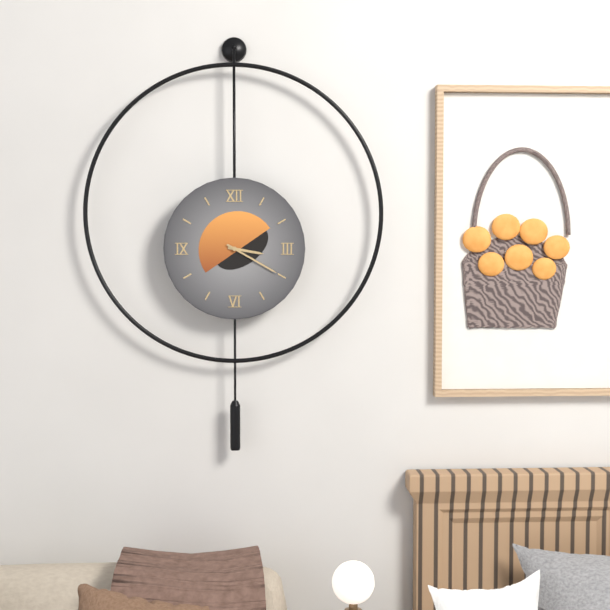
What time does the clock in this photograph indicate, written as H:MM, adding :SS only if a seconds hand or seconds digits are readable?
3:20
